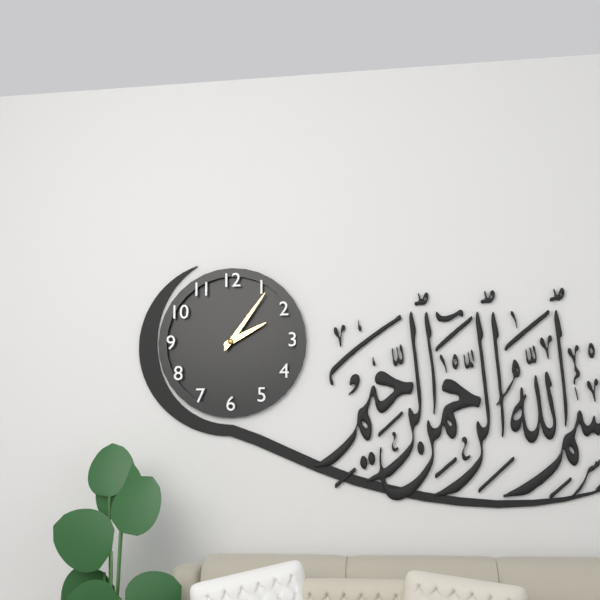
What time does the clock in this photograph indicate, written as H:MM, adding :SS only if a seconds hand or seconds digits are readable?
2:06
